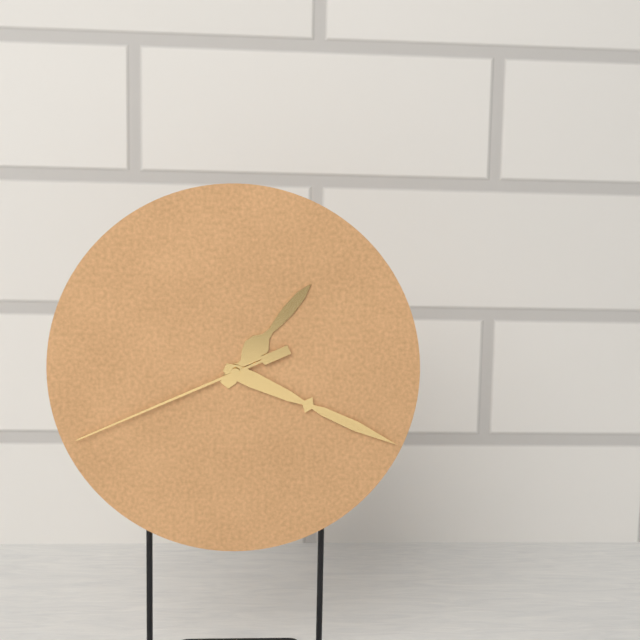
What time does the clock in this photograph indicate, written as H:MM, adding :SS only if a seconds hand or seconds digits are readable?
1:19:41
